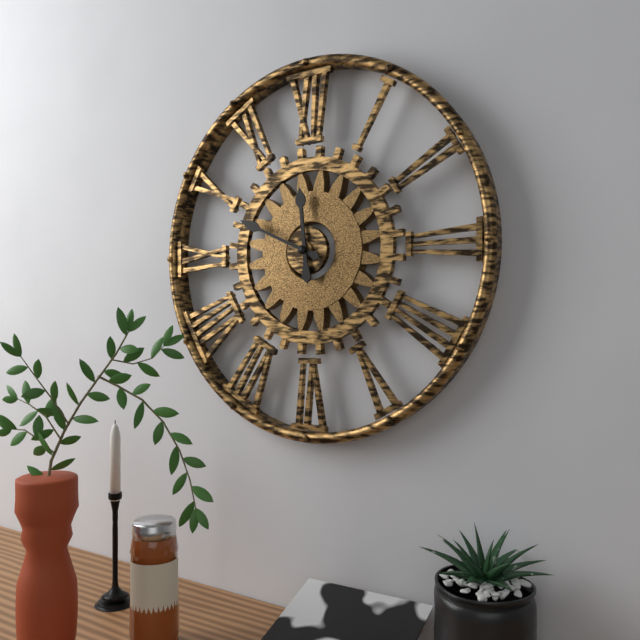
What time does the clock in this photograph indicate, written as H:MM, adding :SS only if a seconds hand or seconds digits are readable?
11:49
